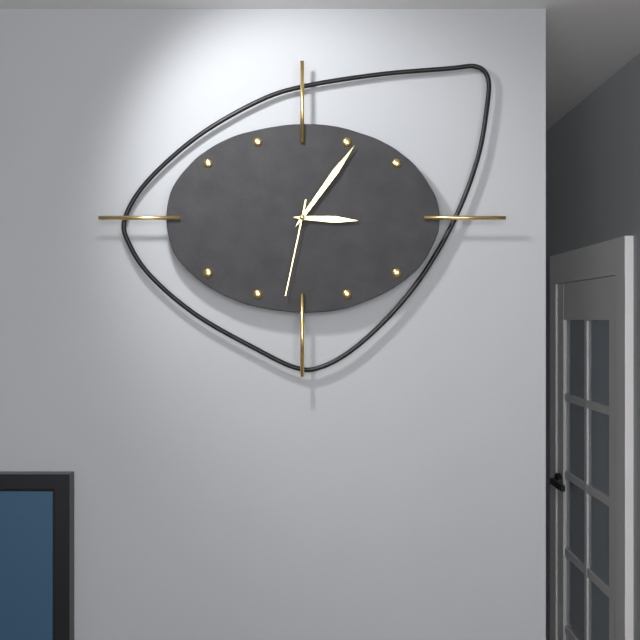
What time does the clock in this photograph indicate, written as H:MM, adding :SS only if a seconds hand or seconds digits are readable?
3:06:32
